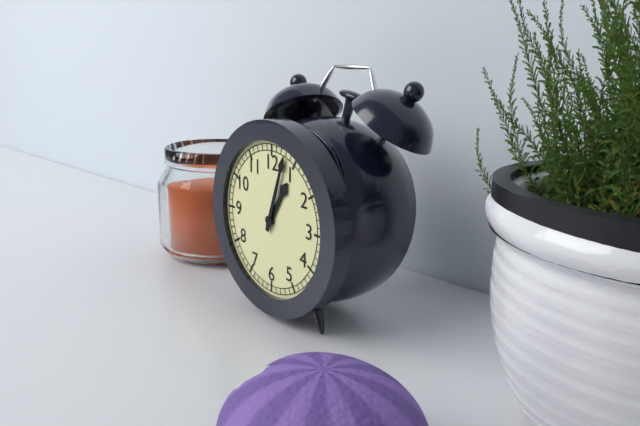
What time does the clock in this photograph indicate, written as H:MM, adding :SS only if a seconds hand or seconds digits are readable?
1:03
